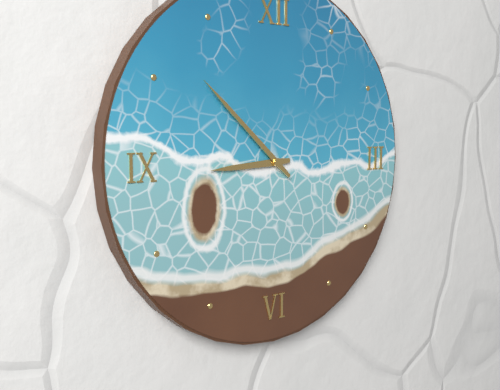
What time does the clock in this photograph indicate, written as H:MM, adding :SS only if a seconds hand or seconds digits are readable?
8:52
